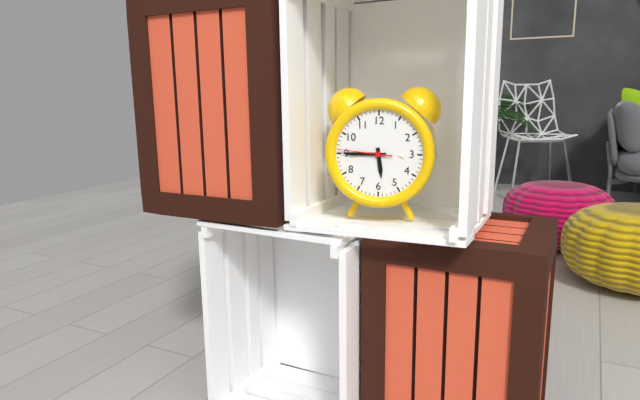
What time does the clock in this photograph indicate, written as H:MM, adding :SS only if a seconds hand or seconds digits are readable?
5:45:46
